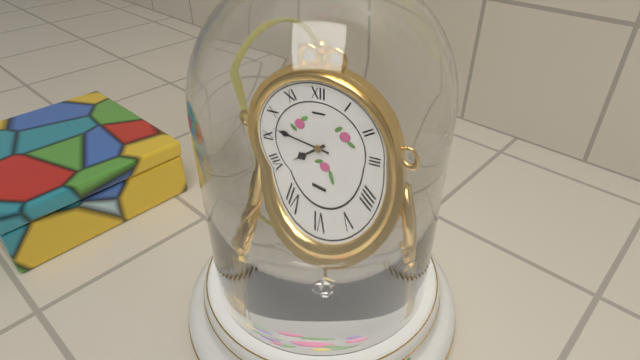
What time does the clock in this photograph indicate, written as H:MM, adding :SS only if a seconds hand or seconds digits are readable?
7:47
